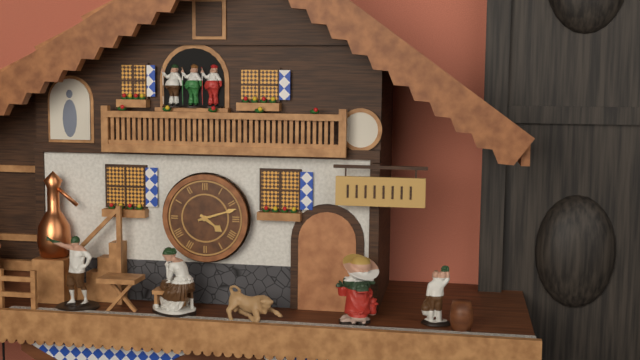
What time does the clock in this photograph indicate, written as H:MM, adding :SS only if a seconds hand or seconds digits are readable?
4:12
